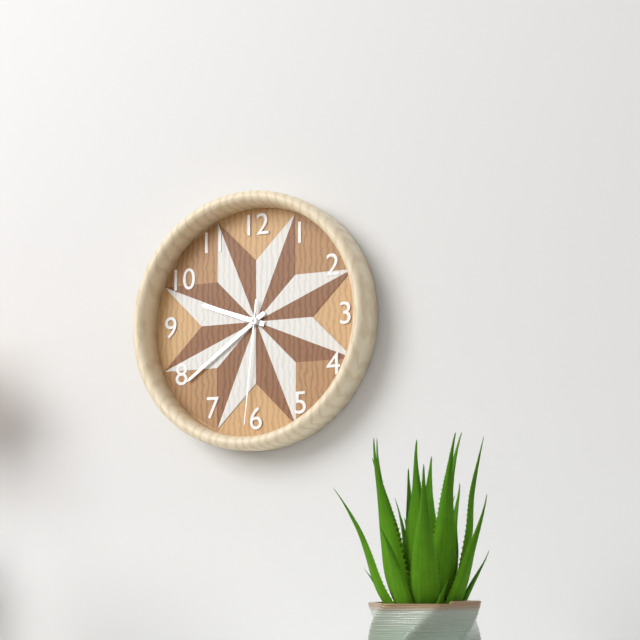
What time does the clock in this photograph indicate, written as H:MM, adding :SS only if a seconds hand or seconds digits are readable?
9:39:31
